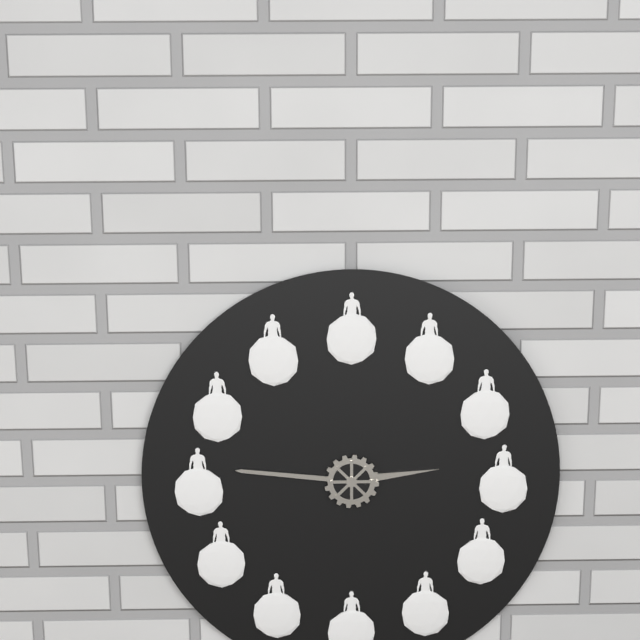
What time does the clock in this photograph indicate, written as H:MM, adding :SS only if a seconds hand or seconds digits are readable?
2:46
